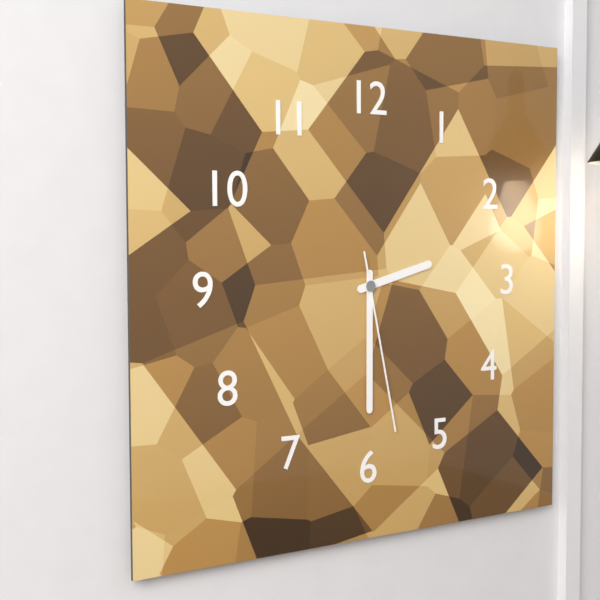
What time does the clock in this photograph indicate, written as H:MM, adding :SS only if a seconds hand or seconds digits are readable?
2:30:28
